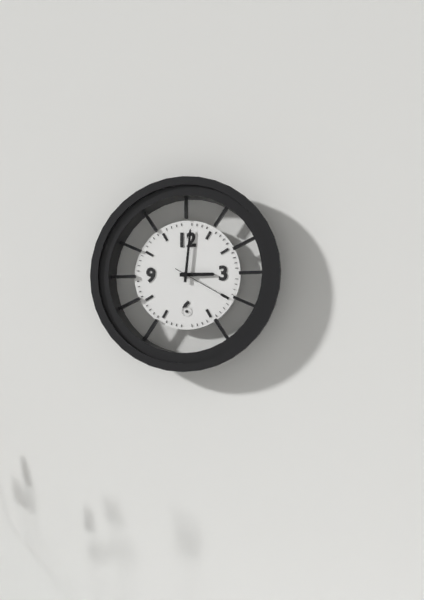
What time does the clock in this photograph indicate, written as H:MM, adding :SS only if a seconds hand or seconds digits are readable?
3:01:20
